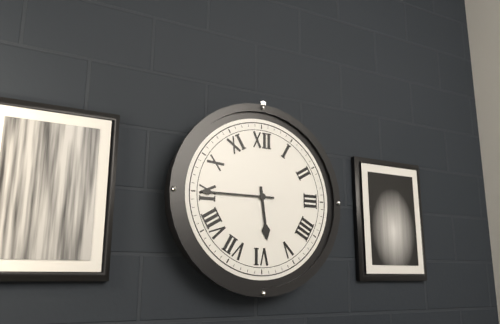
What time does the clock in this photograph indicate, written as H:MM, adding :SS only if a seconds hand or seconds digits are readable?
5:45
